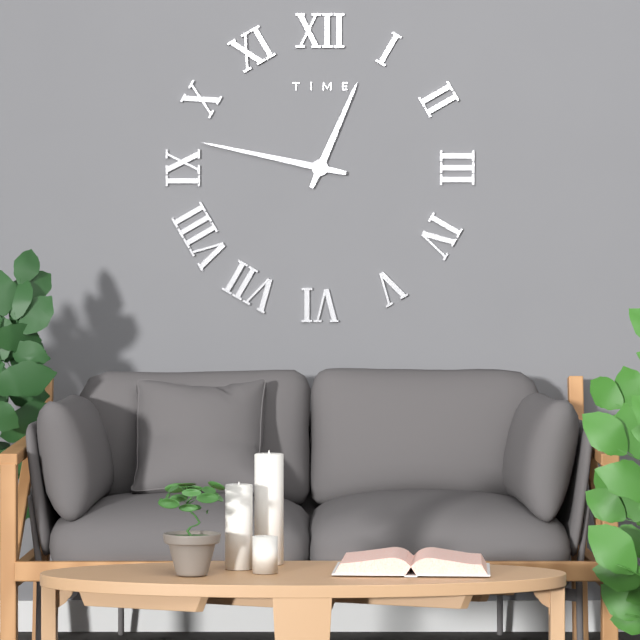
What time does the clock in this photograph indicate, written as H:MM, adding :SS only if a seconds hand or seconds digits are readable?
12:47
